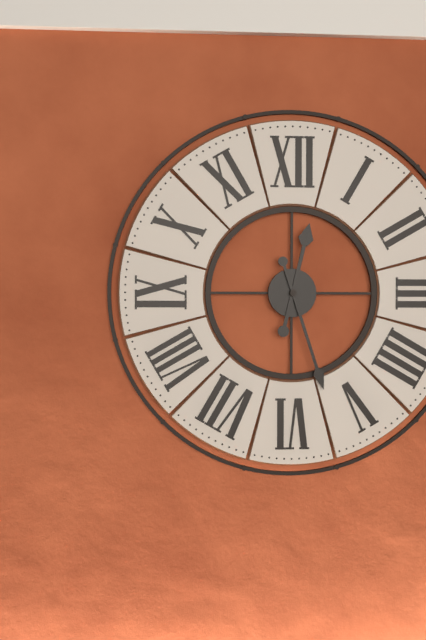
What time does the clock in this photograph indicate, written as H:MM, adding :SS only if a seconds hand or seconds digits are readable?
12:27
